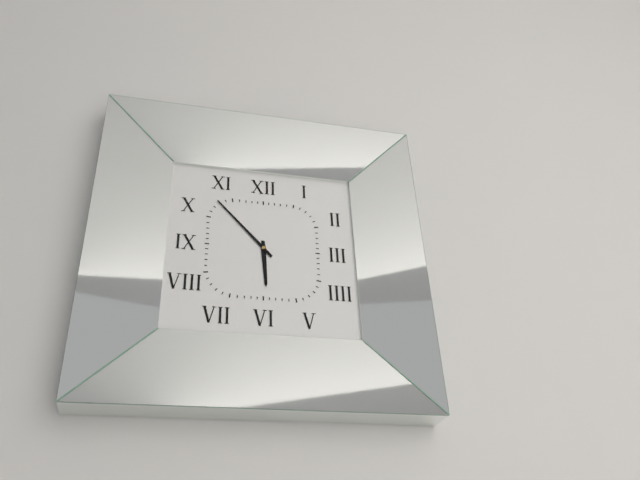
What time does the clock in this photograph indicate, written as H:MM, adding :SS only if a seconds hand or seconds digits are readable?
5:53
